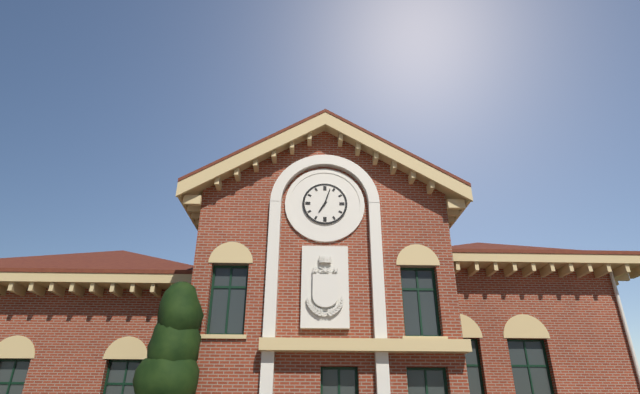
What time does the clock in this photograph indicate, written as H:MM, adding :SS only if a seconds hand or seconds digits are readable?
7:03
